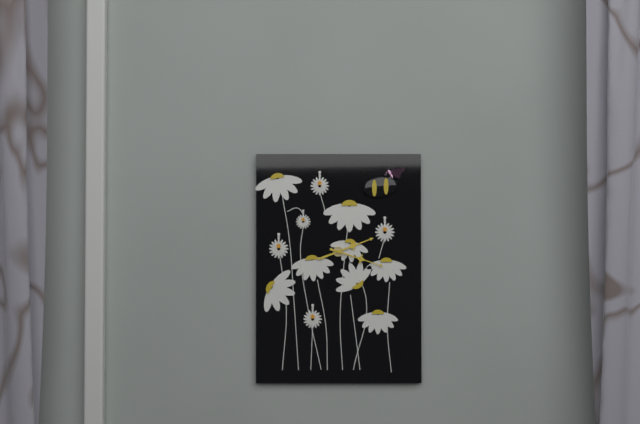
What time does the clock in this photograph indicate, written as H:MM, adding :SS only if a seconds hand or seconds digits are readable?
2:18
